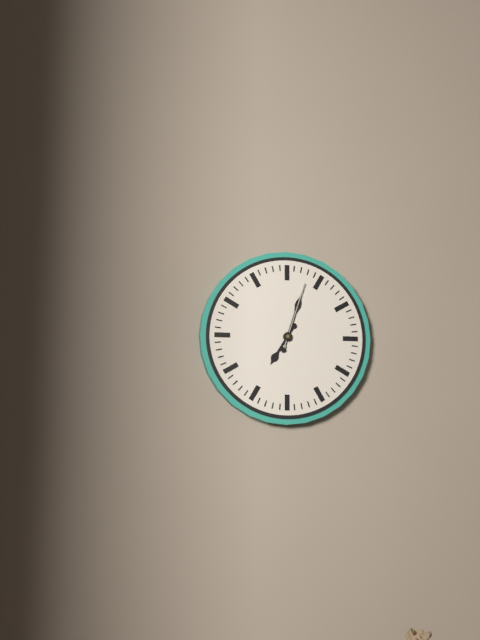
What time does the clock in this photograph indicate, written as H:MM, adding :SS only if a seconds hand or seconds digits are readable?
7:03:03
